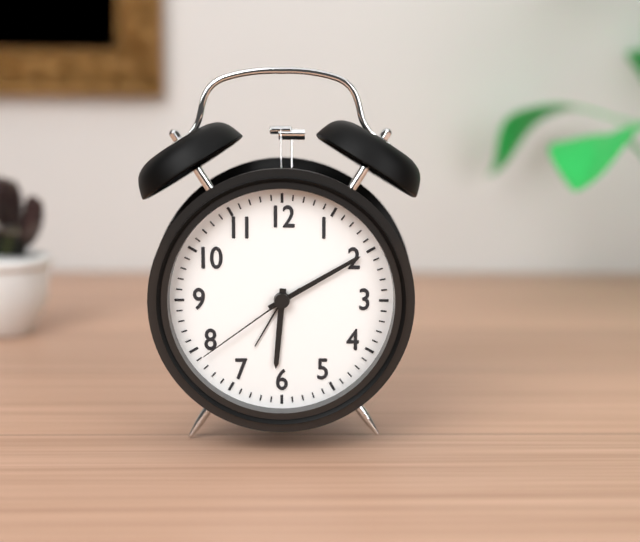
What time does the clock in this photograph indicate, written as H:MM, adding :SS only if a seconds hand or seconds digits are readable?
6:10:39
